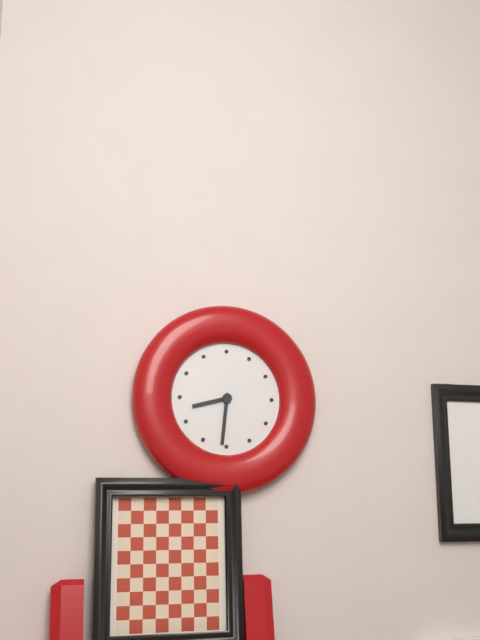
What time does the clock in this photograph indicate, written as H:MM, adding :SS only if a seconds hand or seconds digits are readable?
8:31
